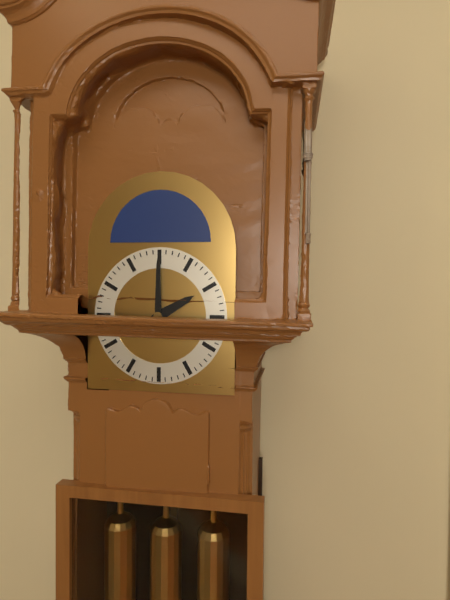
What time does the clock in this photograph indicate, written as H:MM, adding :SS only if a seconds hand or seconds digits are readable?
2:00
